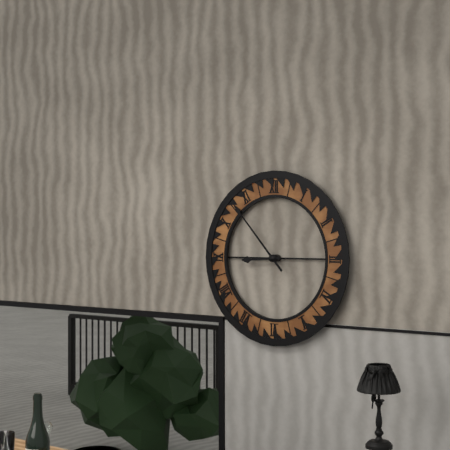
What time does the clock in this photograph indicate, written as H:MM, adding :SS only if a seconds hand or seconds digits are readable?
8:53
